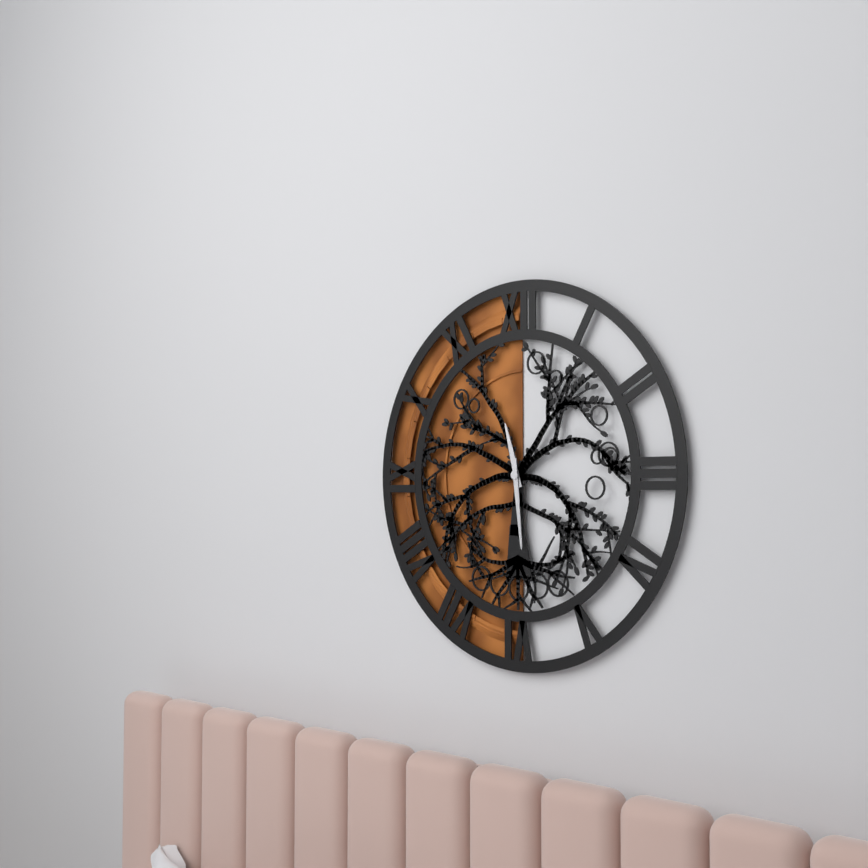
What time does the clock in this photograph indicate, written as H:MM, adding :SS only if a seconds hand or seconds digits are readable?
11:29
